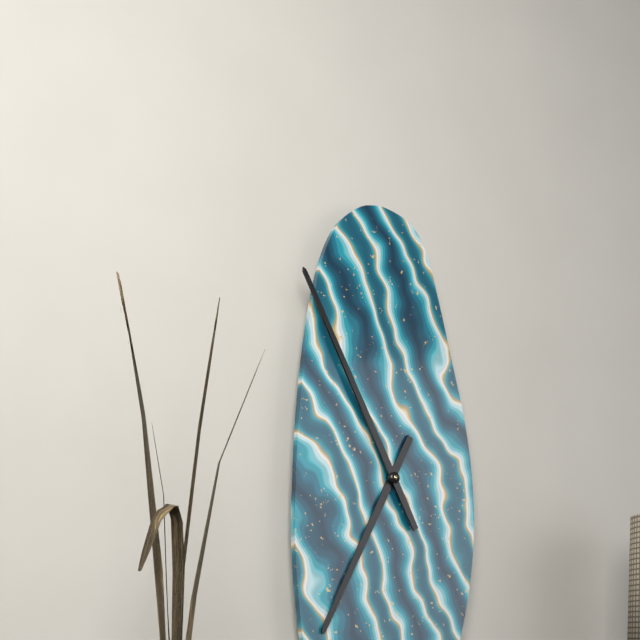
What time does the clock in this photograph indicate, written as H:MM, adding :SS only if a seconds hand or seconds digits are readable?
6:55
